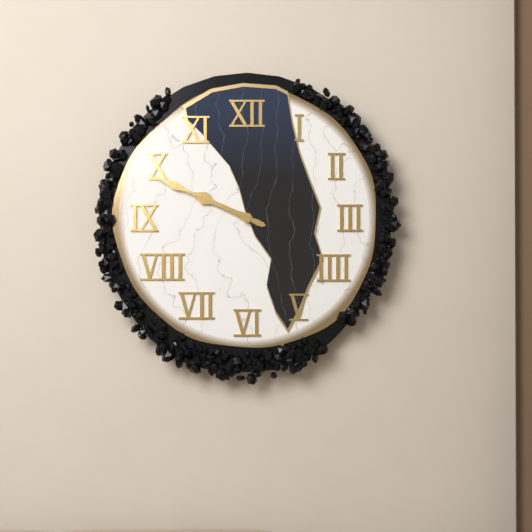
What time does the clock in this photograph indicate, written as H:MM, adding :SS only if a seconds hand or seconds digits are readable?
9:49
